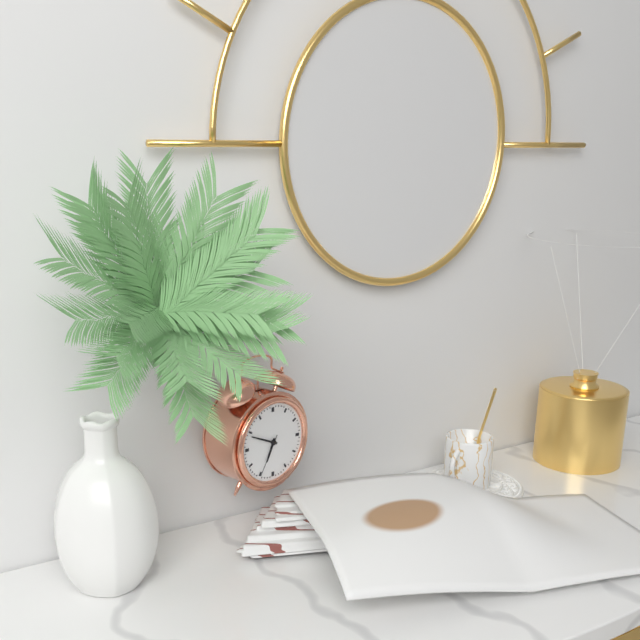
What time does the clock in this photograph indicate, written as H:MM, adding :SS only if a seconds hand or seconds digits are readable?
6:49
